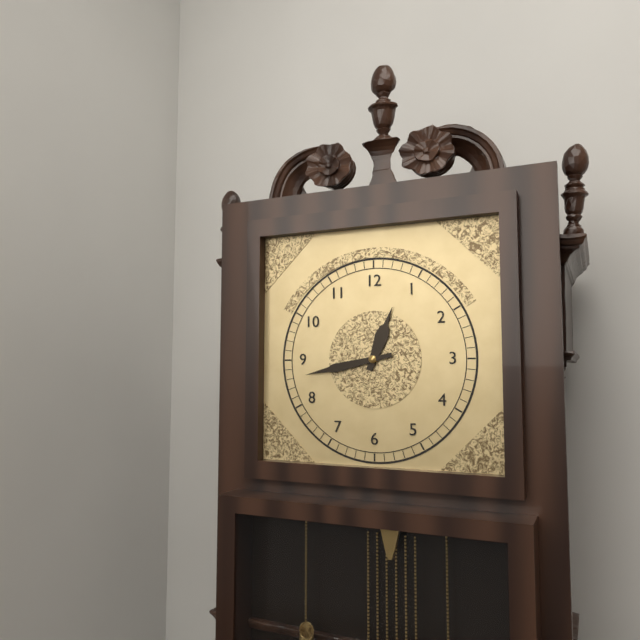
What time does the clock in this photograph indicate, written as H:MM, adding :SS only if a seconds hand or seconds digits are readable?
12:43
